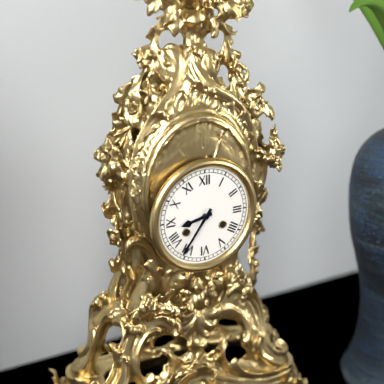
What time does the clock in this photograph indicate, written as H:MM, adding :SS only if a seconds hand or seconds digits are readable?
8:36
